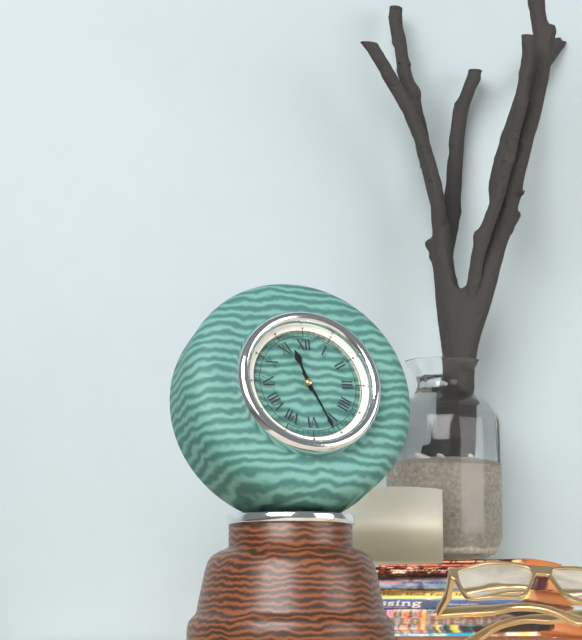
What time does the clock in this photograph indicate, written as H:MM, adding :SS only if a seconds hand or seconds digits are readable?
11:26
